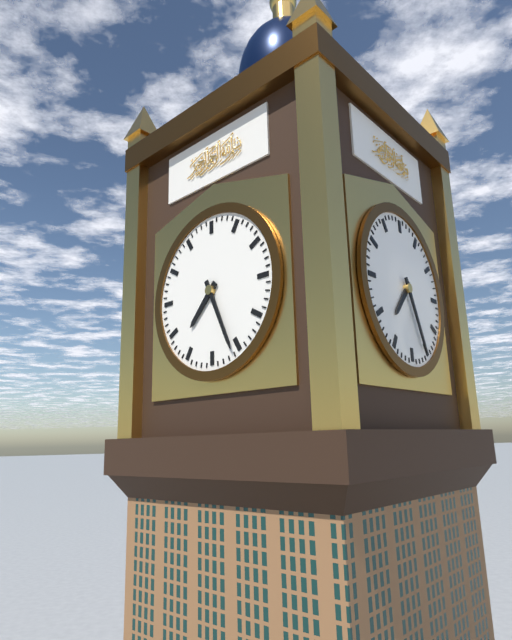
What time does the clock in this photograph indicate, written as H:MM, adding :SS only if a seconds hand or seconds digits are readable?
7:26
